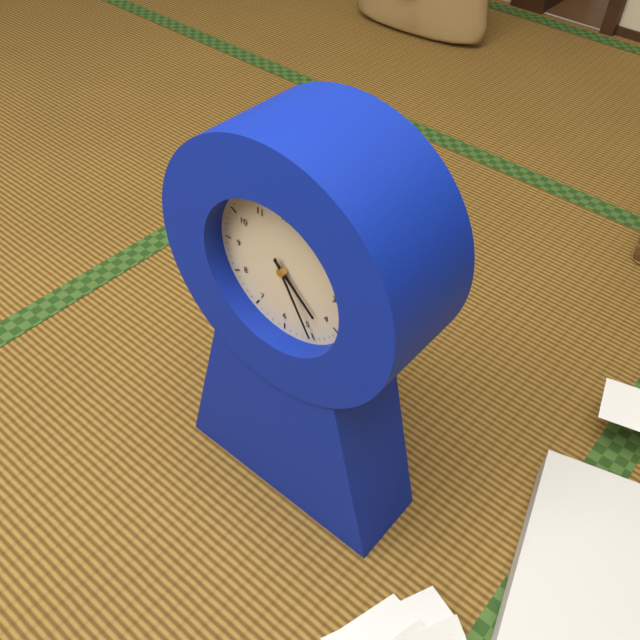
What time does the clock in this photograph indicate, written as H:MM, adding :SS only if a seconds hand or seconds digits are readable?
4:25
